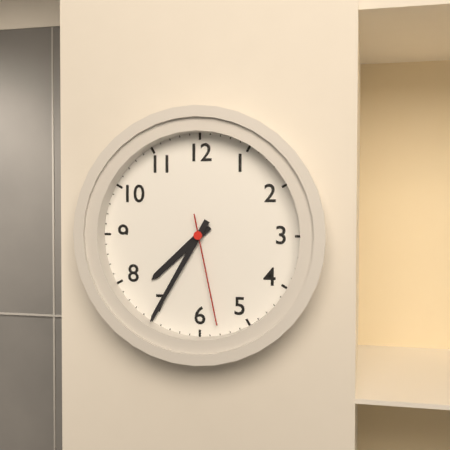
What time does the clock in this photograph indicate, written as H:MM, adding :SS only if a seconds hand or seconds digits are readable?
7:35:28
